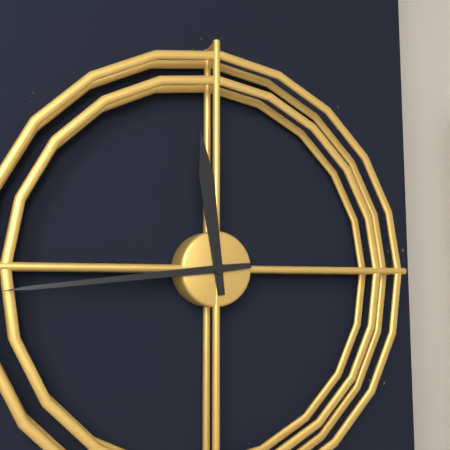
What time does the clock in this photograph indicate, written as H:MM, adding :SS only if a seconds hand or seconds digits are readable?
11:44
